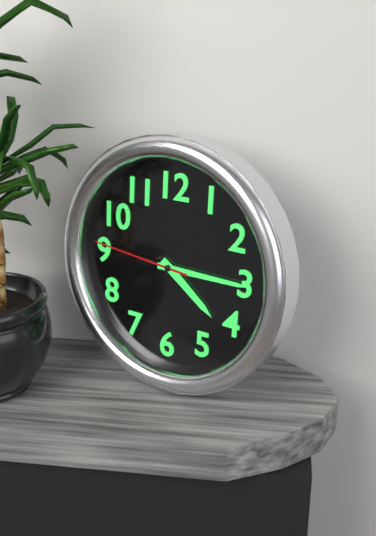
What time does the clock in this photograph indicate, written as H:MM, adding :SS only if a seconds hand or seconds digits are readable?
4:15:46
